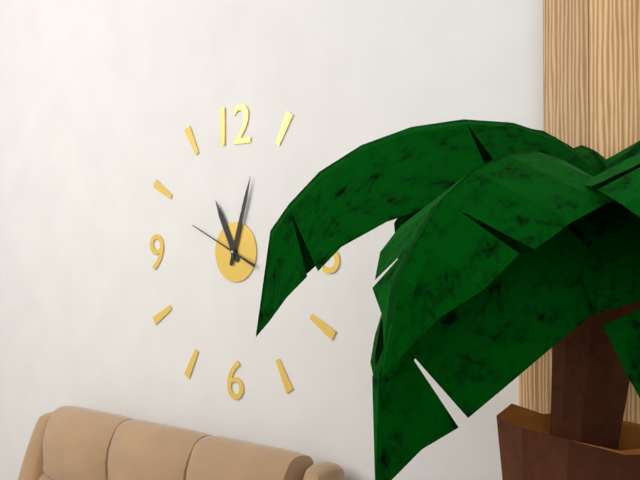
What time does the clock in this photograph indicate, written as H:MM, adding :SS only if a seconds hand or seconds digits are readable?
11:03:49
